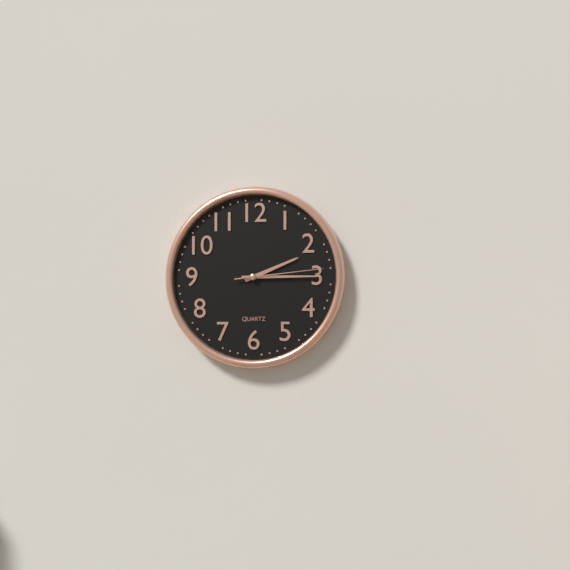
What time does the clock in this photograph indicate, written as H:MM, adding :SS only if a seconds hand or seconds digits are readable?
2:15:14
